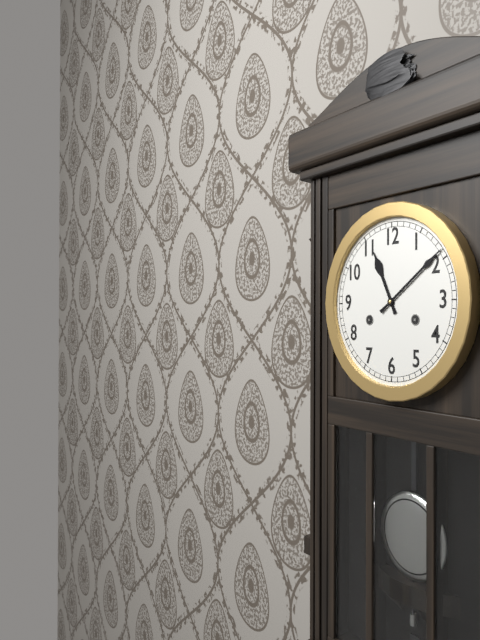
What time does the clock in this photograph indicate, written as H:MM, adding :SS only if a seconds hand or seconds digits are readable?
11:09
